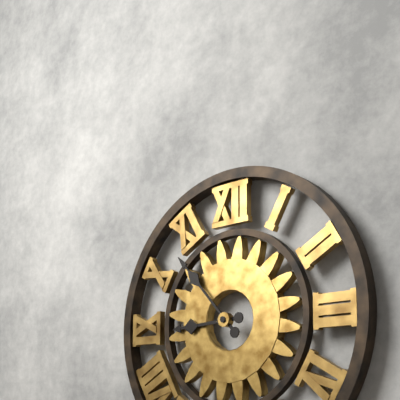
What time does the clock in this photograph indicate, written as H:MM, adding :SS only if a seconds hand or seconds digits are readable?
8:53
